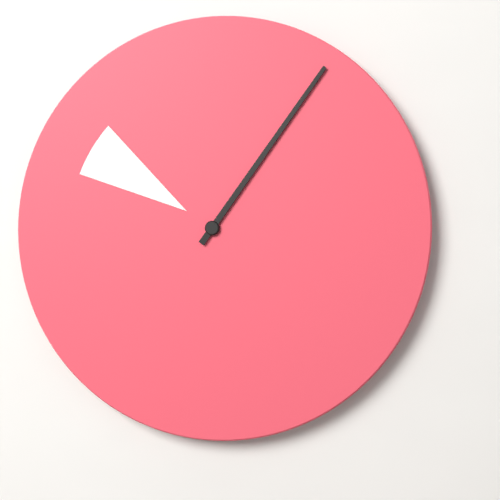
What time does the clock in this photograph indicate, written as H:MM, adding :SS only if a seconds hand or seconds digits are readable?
10:06
